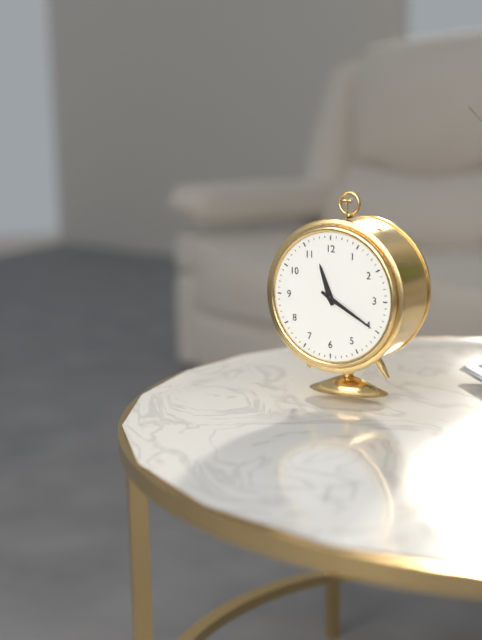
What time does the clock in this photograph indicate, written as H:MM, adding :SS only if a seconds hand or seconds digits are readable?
11:20
